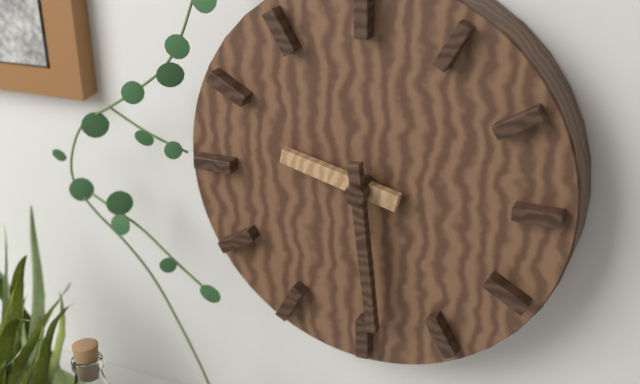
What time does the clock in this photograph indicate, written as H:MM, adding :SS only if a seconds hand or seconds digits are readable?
9:29
